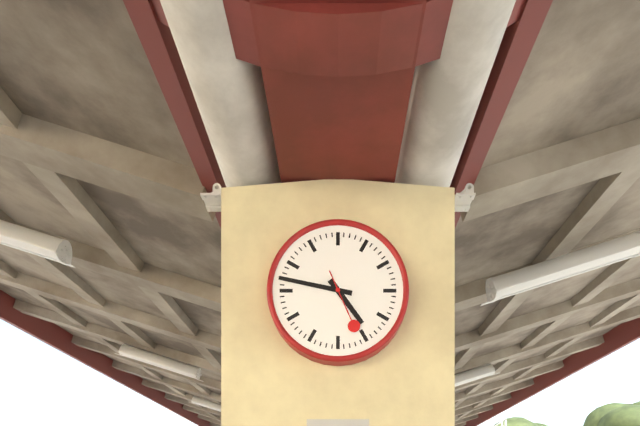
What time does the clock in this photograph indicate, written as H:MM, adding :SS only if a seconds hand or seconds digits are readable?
4:47:26
